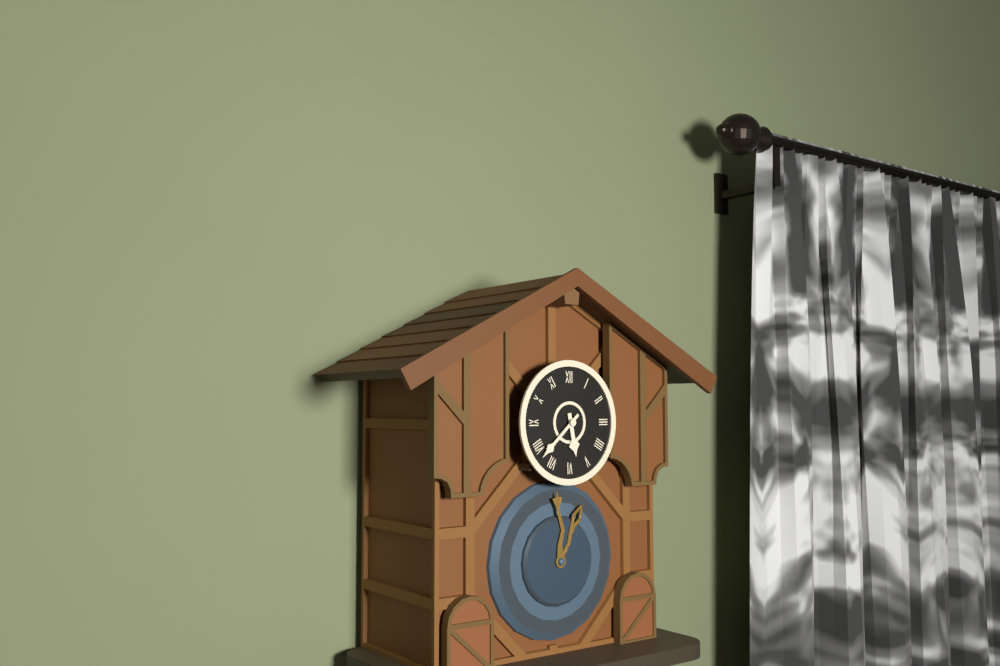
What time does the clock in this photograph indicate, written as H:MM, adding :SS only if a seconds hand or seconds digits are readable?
5:38
